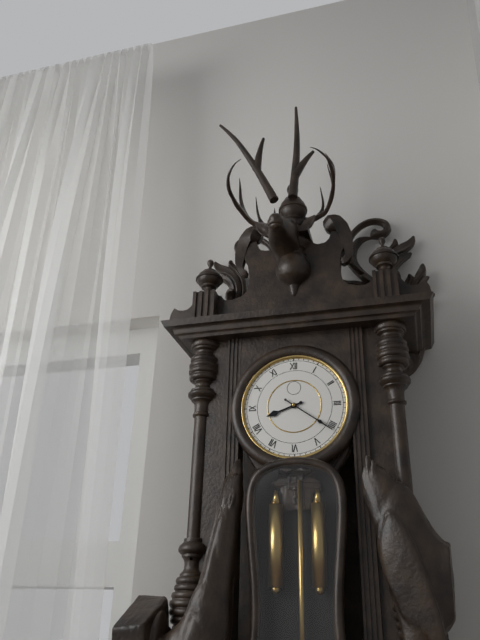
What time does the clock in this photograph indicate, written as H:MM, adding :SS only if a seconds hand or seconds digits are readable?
8:21
